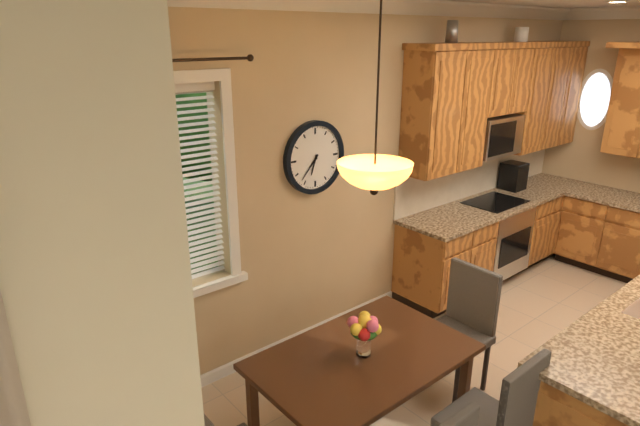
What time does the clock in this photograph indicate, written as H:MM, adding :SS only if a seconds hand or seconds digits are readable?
6:37
